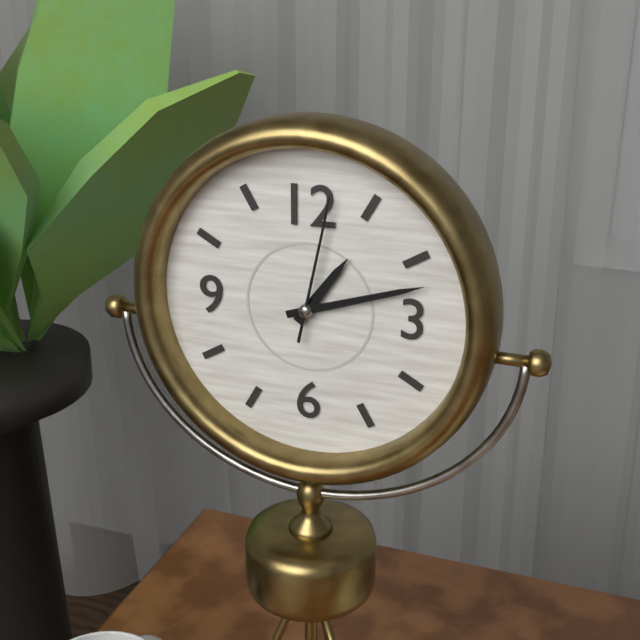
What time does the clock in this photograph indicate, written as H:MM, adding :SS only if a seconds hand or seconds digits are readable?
1:12:02
